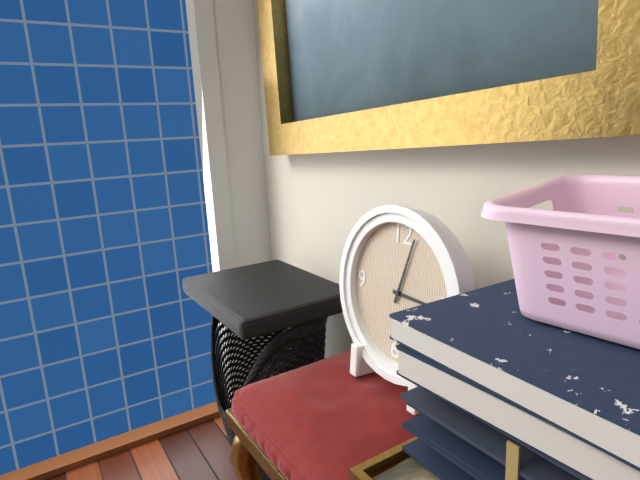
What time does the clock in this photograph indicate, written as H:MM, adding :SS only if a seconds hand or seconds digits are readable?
3:03
